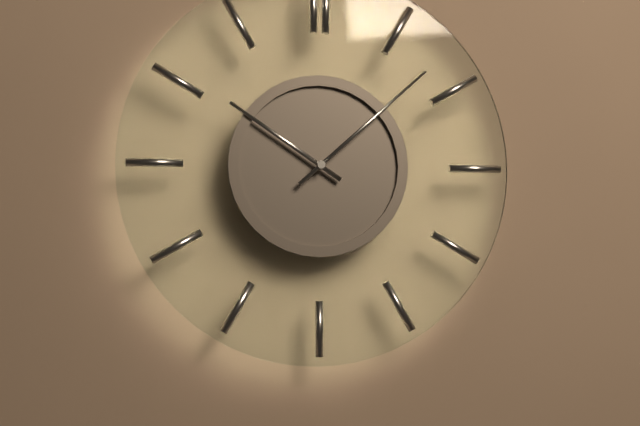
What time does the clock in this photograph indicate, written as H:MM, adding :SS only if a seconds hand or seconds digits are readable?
10:08
